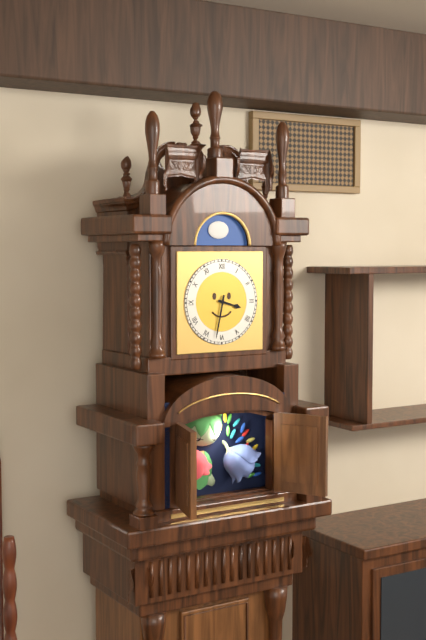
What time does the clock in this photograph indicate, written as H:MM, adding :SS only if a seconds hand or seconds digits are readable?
3:32
